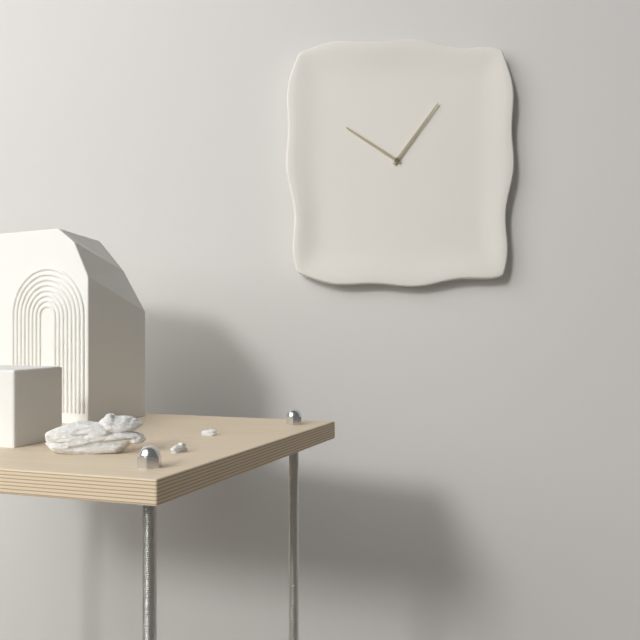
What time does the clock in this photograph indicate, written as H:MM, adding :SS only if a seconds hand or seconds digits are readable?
10:06
